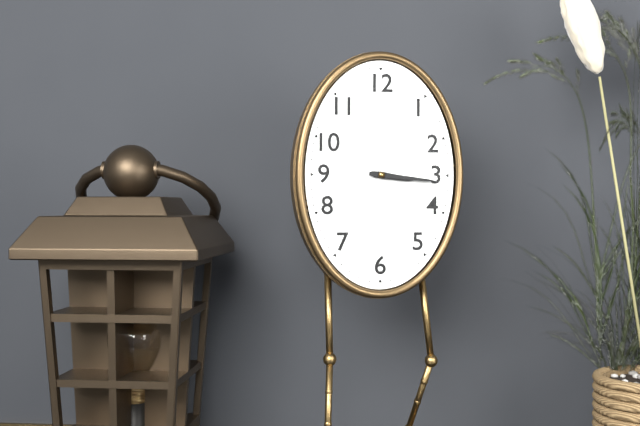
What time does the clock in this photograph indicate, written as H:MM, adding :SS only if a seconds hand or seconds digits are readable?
3:16
